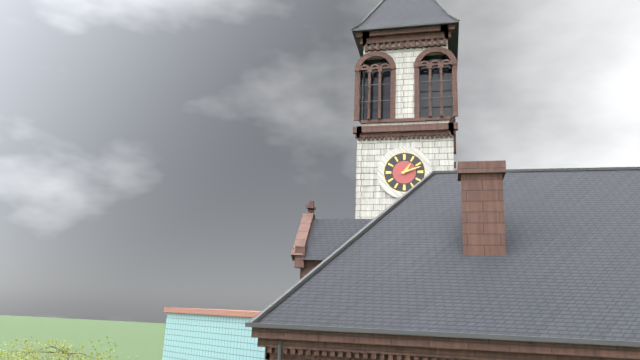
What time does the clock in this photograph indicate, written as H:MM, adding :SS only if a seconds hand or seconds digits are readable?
1:12
